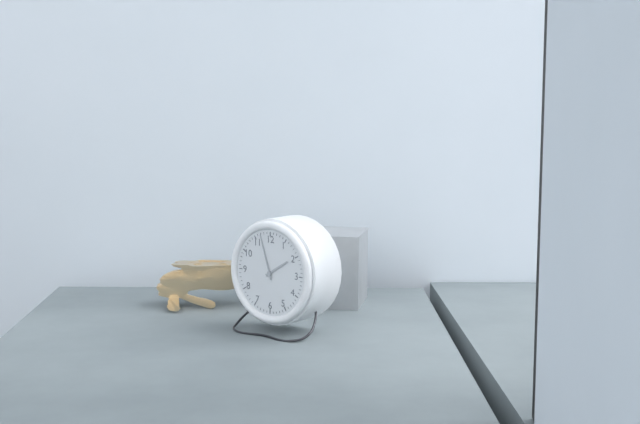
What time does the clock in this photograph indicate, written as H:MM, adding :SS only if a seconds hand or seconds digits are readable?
1:57
